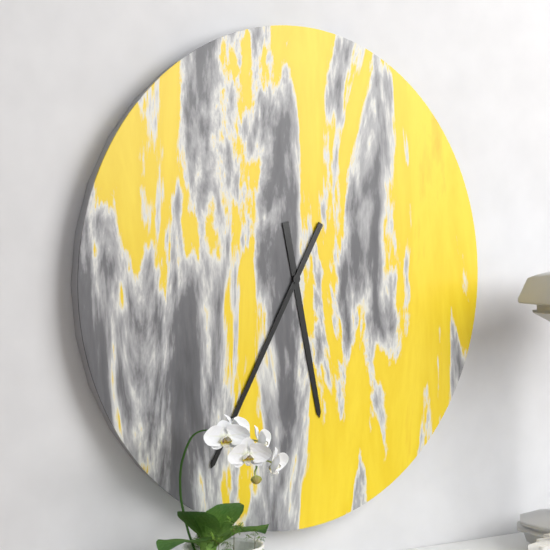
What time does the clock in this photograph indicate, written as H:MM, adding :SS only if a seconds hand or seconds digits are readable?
5:35
